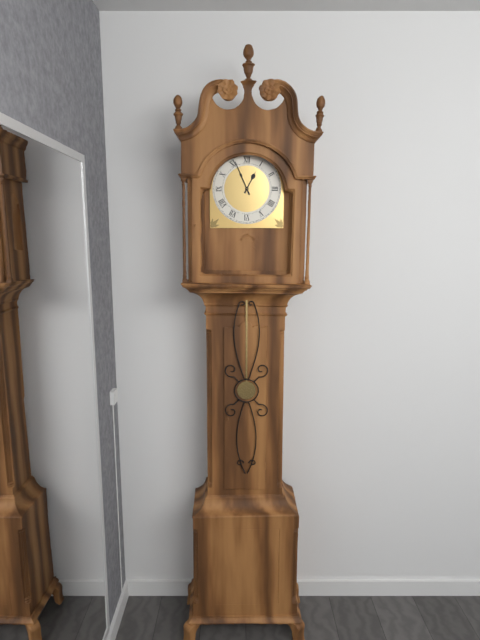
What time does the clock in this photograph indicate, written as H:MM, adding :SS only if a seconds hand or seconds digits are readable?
12:56
